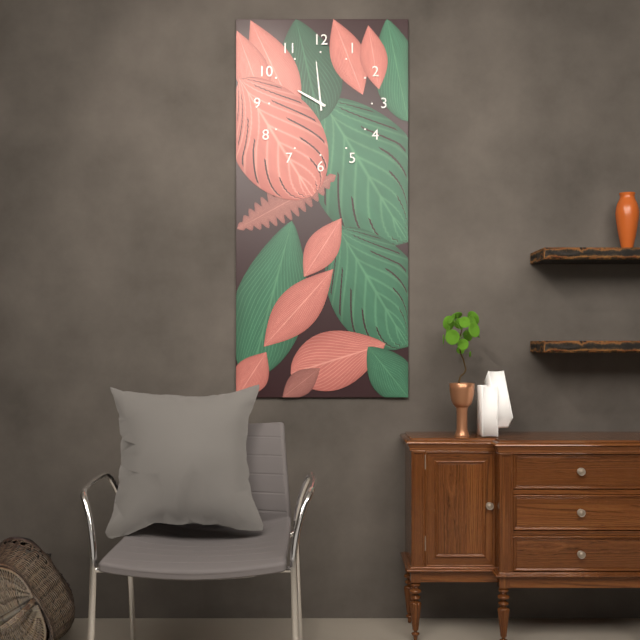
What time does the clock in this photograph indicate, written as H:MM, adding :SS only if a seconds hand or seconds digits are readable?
9:59
